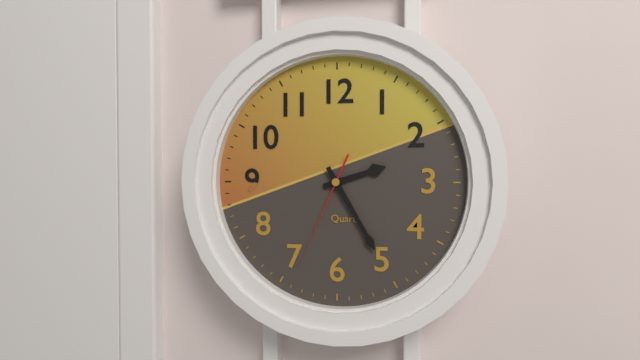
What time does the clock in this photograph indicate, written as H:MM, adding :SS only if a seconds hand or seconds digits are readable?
2:25:34
